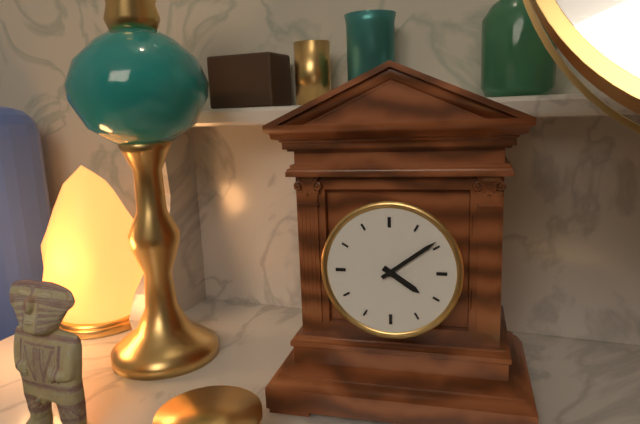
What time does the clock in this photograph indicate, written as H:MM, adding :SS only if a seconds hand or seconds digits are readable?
4:09
